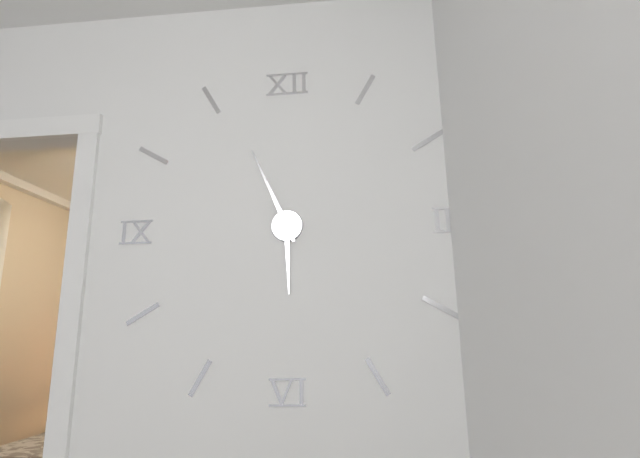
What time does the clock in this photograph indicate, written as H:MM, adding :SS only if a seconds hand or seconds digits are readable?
5:56
